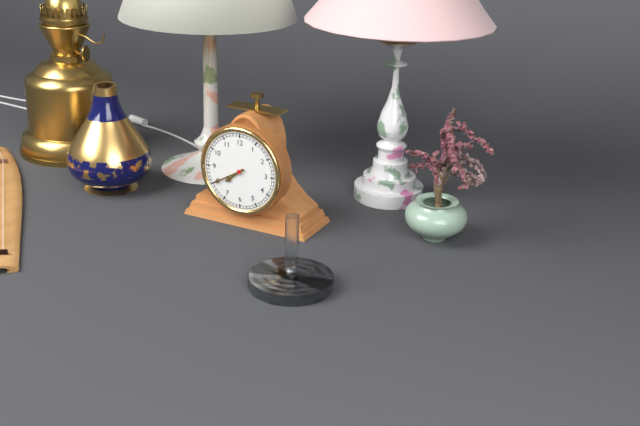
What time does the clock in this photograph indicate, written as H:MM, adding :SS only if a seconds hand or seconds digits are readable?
7:40
